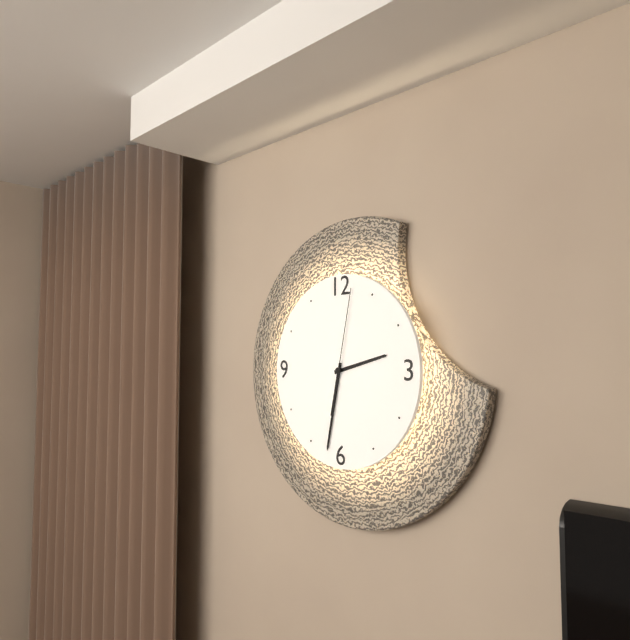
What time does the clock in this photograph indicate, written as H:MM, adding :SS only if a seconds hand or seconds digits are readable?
2:32:02
